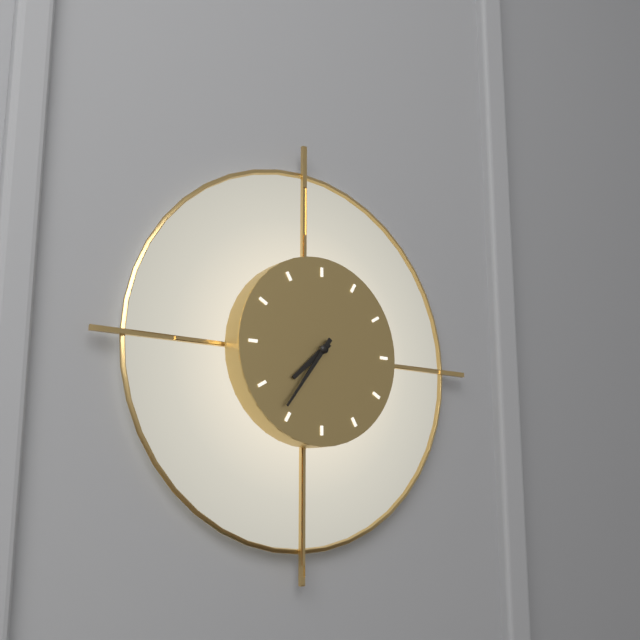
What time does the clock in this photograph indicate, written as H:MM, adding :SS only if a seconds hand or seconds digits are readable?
7:36
